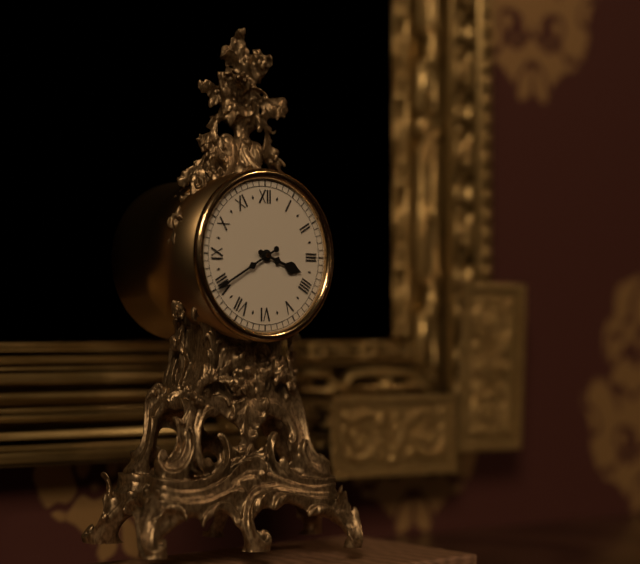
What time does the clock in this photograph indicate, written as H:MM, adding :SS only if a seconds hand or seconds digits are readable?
3:40
